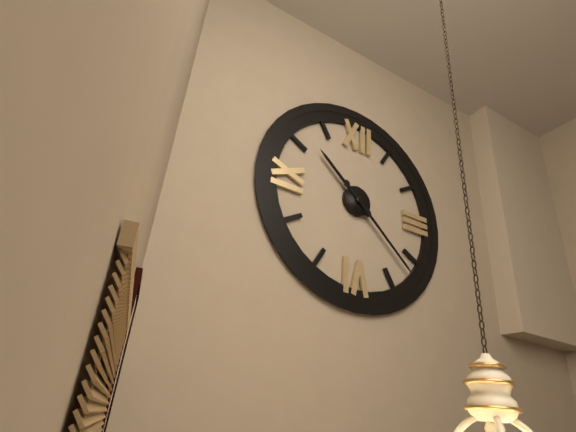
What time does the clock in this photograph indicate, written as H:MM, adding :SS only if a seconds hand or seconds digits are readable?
10:22
